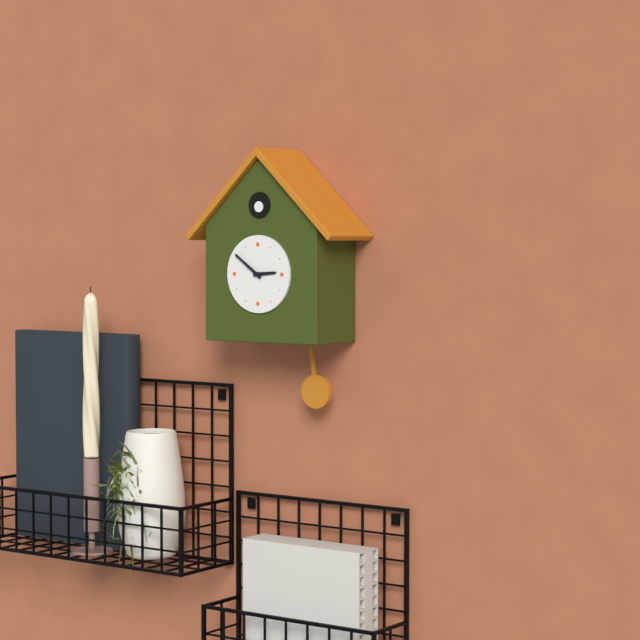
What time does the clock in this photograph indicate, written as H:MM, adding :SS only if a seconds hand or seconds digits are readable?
2:51
